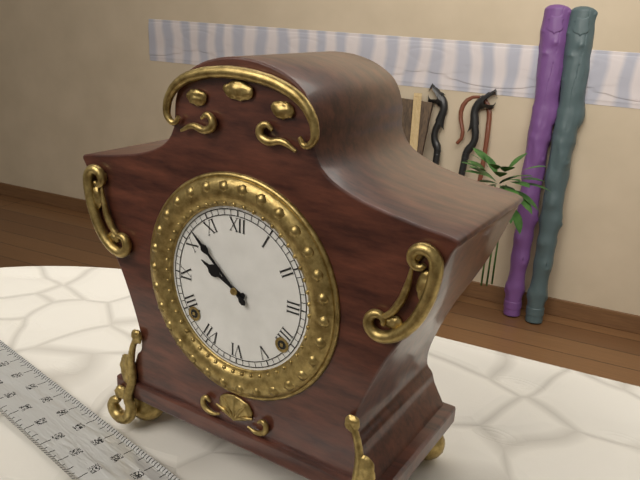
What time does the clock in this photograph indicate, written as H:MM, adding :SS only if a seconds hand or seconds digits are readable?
9:52
